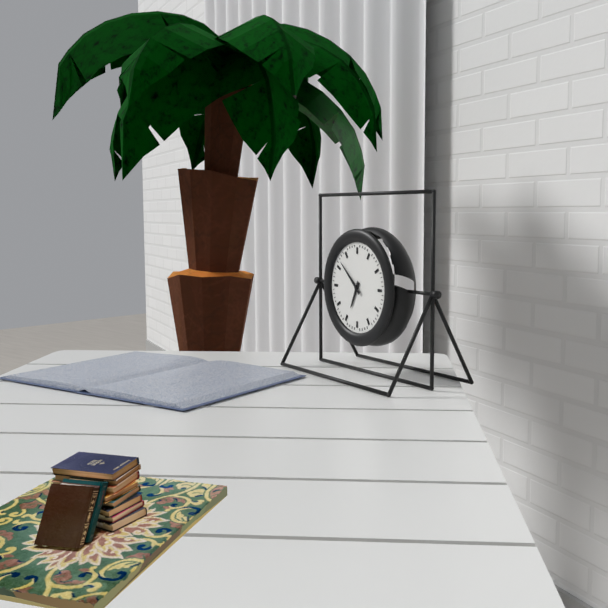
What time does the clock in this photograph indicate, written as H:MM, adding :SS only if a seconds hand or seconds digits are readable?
6:52
